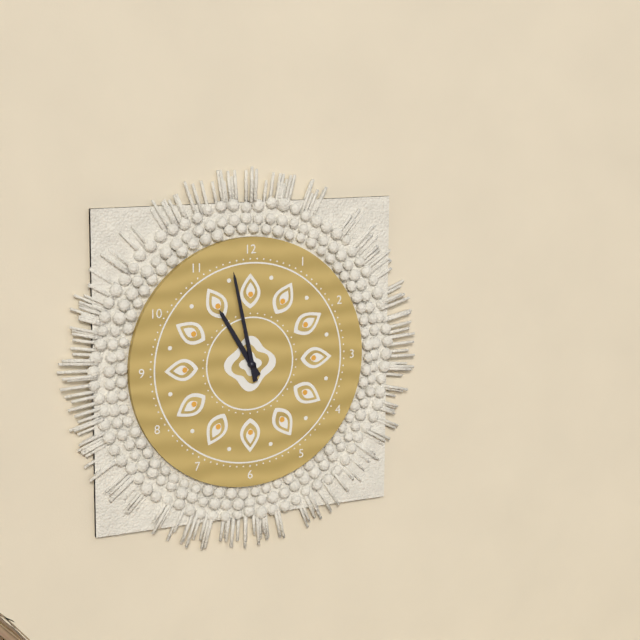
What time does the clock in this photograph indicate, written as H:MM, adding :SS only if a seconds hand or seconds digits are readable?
10:58
